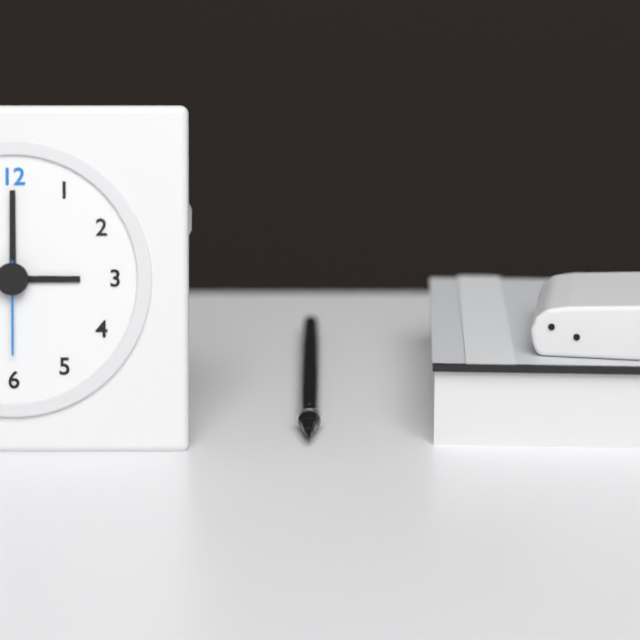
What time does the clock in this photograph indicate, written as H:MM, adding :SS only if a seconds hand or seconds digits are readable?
3:00:30
